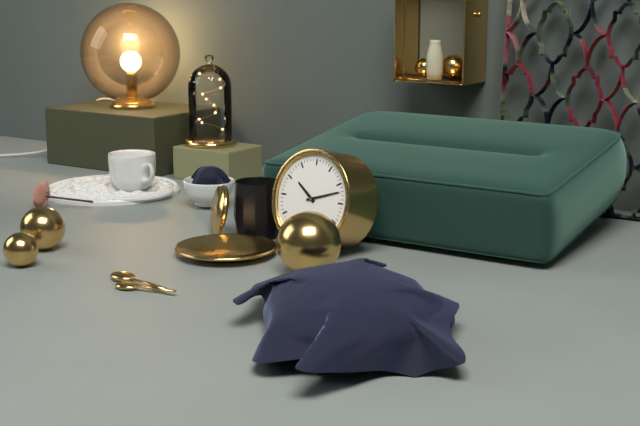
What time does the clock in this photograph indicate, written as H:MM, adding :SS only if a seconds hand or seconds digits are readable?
10:12
